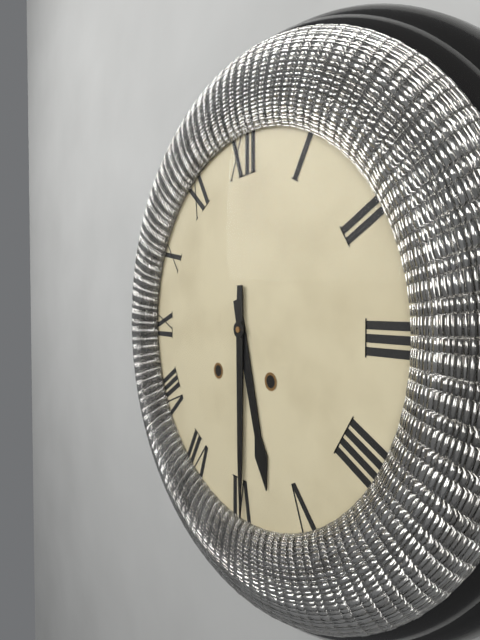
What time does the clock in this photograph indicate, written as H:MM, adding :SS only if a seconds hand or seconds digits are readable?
5:30
